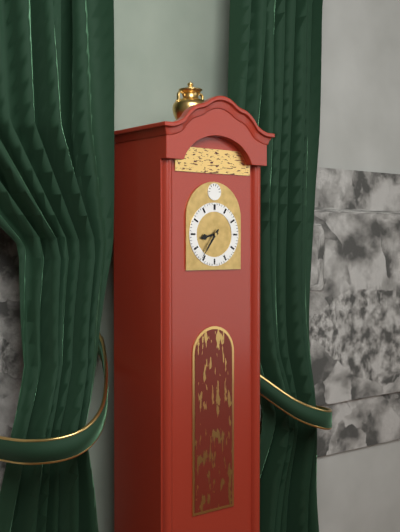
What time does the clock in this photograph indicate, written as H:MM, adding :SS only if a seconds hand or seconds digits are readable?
8:36
